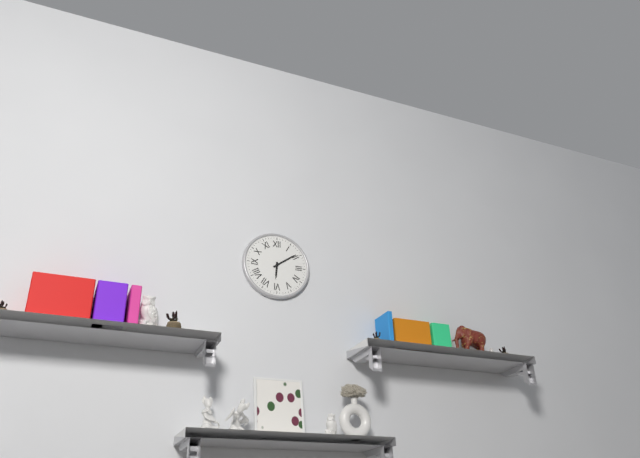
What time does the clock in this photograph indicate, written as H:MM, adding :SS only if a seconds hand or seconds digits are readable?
6:09
